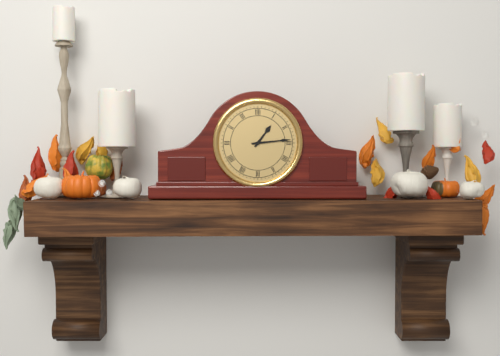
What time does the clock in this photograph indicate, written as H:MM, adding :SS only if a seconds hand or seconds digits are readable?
1:14
